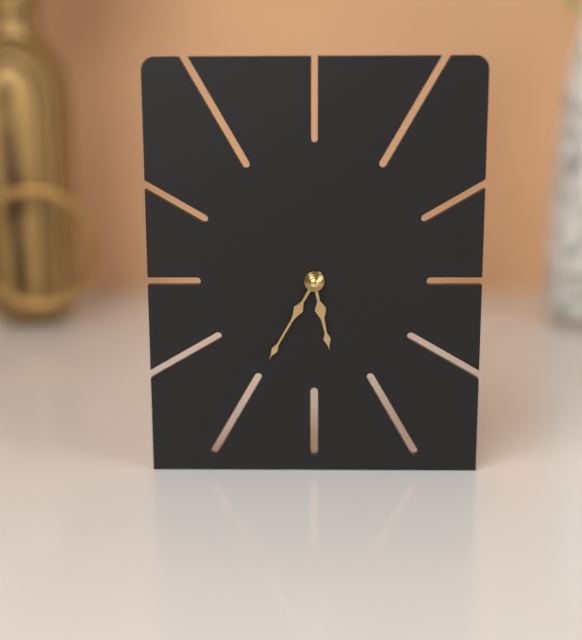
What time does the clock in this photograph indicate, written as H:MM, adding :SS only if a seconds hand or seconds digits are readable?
5:35
